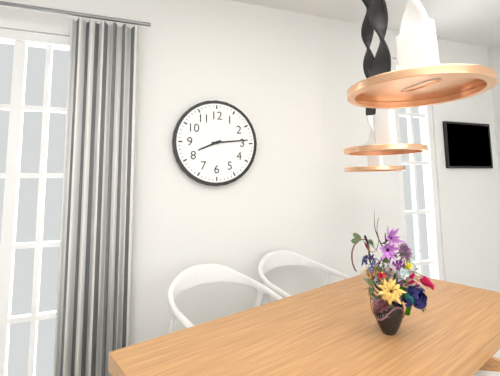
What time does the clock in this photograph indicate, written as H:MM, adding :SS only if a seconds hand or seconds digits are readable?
8:14
